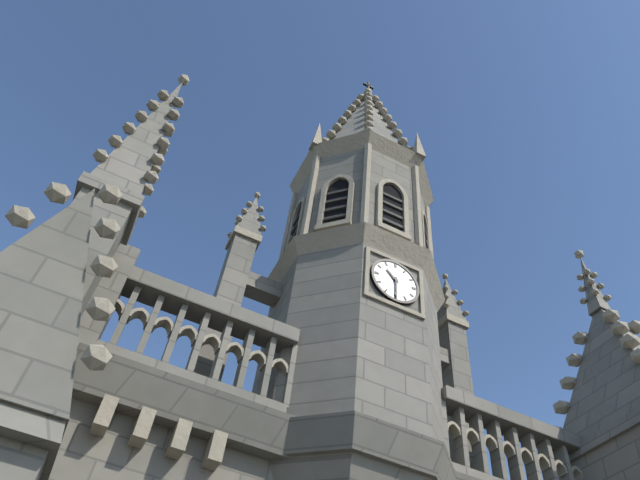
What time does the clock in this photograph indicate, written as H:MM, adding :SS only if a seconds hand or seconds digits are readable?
10:30
